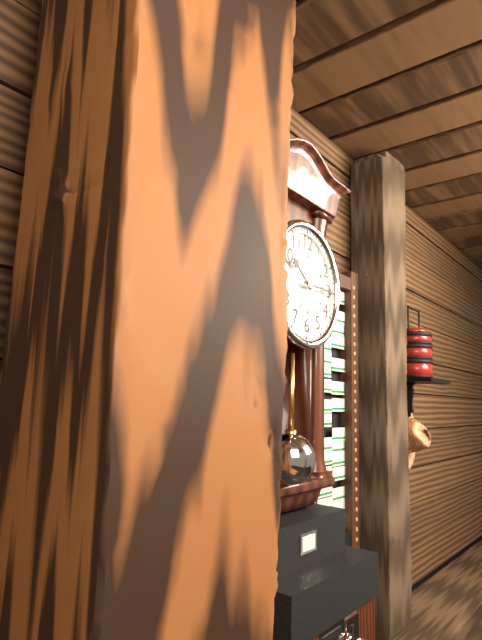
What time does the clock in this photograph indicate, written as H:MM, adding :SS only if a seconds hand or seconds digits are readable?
10:15
